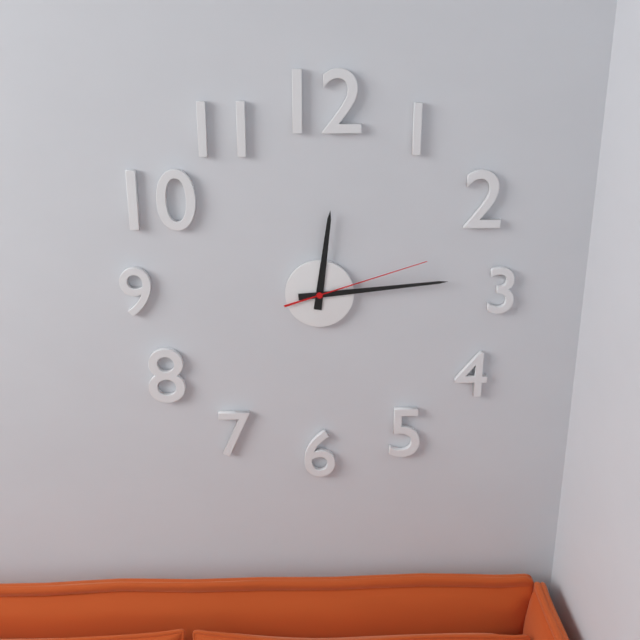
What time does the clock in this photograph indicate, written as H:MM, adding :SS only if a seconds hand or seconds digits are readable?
12:14:12
